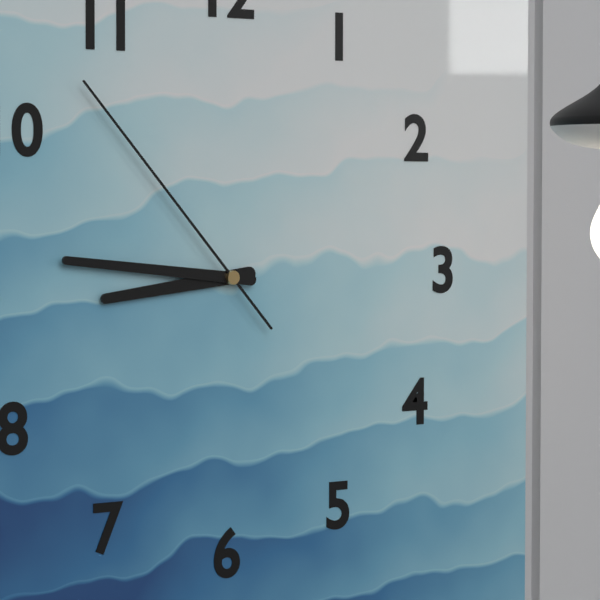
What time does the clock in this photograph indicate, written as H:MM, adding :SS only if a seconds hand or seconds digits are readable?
8:46:53
